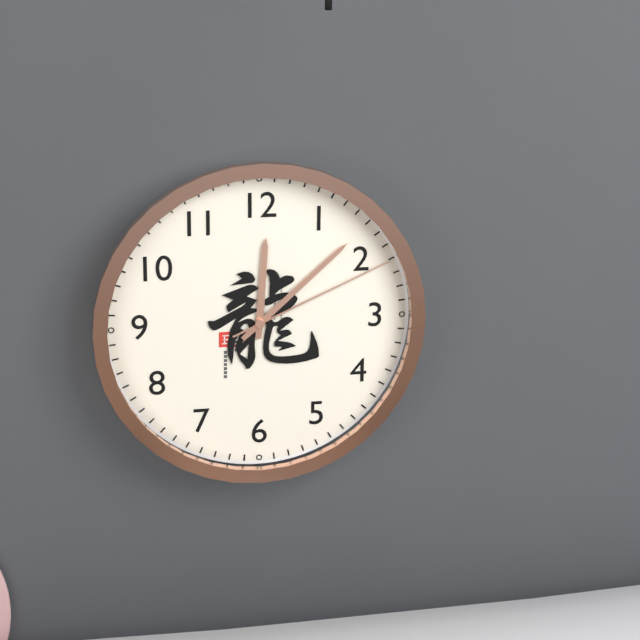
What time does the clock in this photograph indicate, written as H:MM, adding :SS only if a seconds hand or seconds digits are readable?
12:08:11
